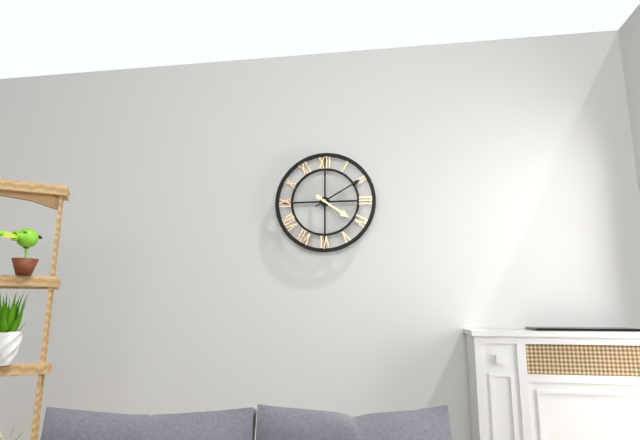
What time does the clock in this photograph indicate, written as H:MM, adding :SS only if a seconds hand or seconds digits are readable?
4:10
